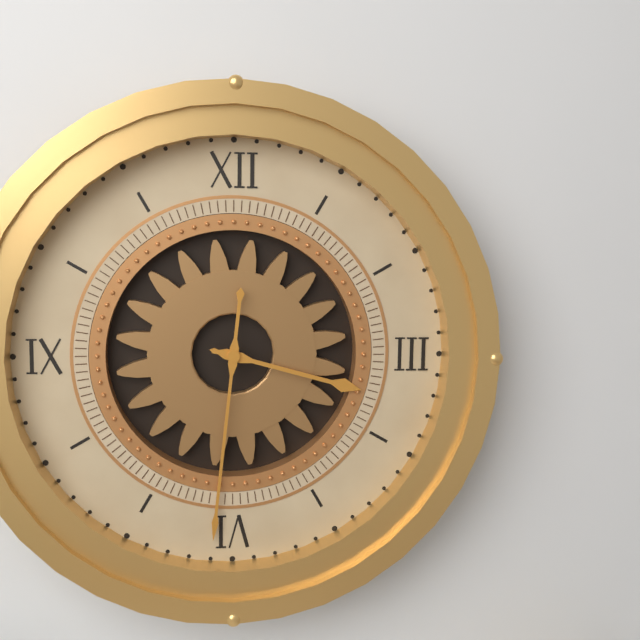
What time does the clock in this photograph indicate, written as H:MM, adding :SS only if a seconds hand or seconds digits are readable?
3:31
